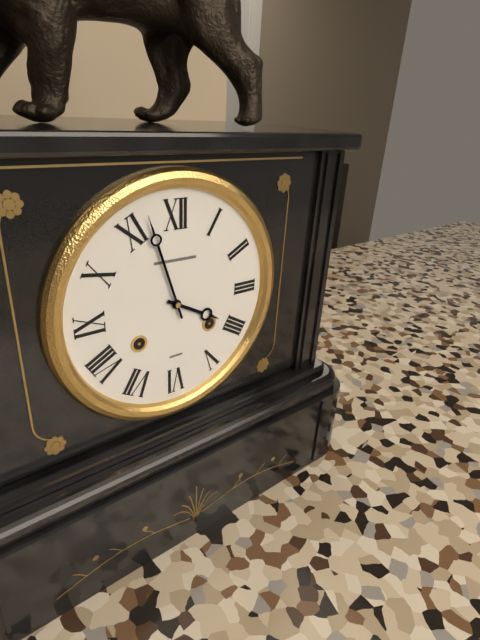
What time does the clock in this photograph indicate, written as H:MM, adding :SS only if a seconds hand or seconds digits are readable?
3:57
